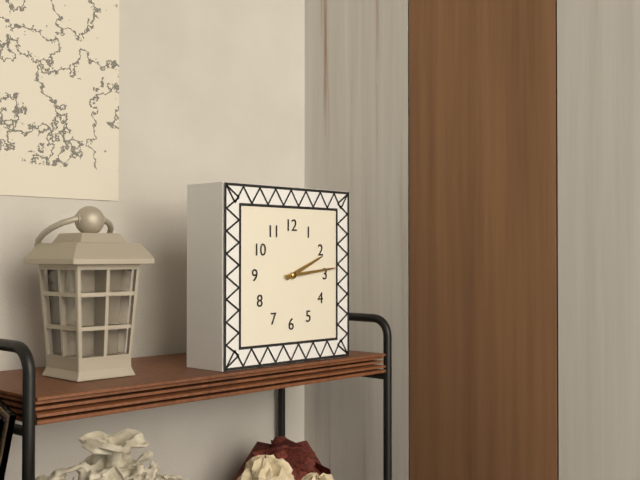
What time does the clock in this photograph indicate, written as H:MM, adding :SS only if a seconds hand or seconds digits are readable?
2:14
